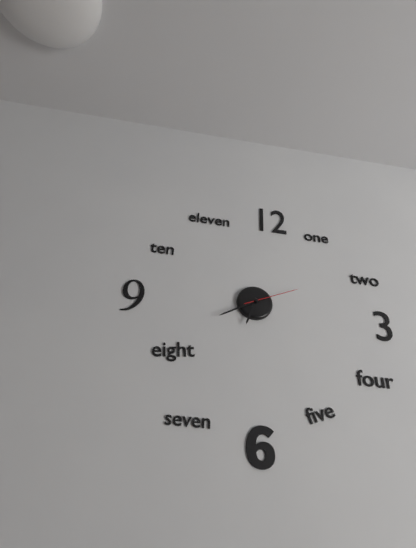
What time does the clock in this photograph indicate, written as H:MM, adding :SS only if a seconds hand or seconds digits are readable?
6:40:11
